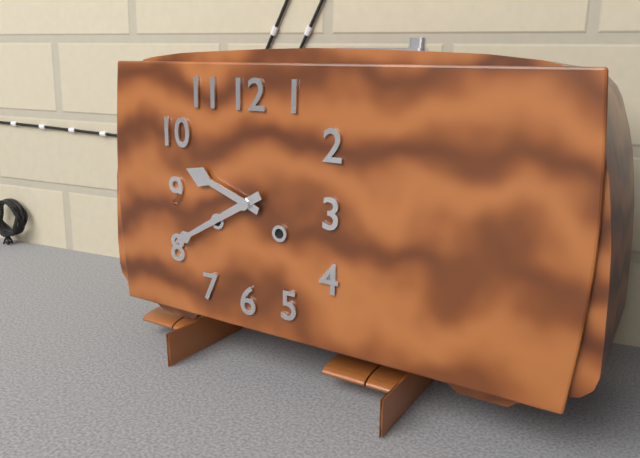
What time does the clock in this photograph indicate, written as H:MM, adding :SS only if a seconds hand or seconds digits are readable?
9:40
